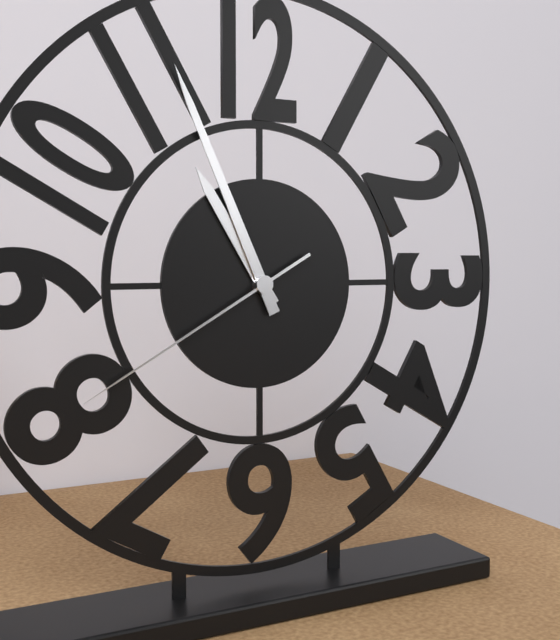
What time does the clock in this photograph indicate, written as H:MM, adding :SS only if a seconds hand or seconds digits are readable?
10:56:40
